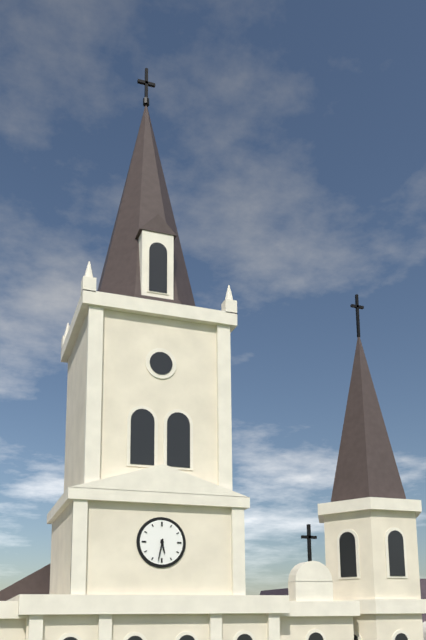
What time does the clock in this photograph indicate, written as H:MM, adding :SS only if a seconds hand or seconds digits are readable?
5:32
